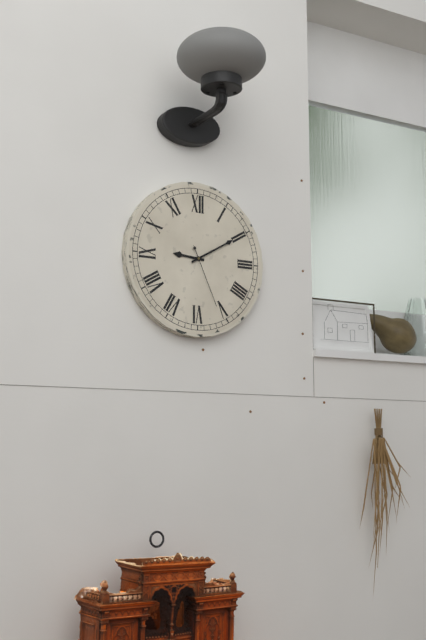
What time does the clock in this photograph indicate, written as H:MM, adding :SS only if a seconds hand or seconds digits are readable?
9:10:26
